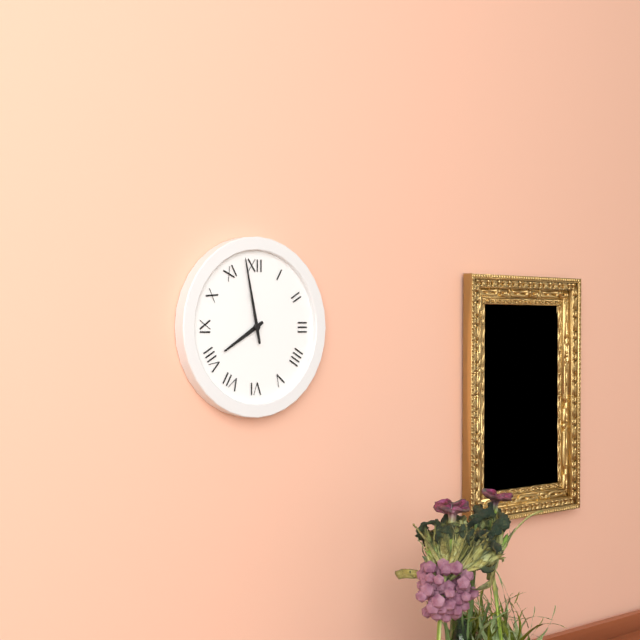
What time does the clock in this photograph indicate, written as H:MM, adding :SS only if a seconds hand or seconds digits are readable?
7:58
